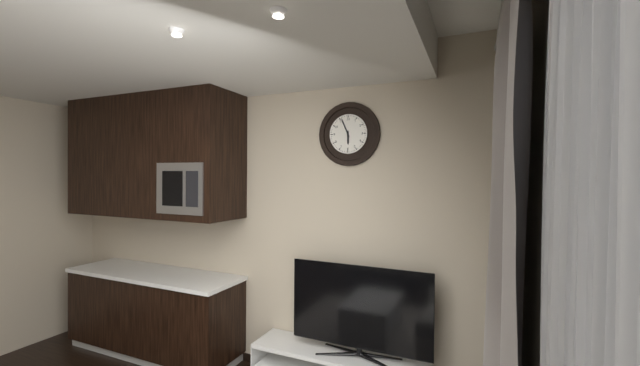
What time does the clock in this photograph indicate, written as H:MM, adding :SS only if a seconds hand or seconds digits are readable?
5:56
